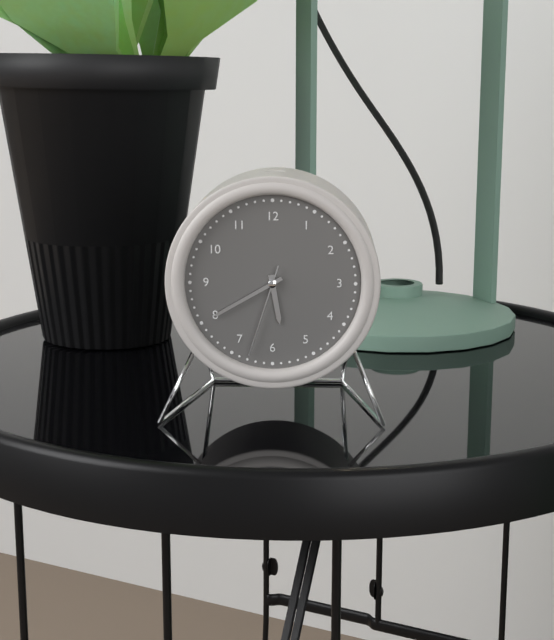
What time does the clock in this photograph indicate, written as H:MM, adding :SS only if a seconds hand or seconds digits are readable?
5:40:33
